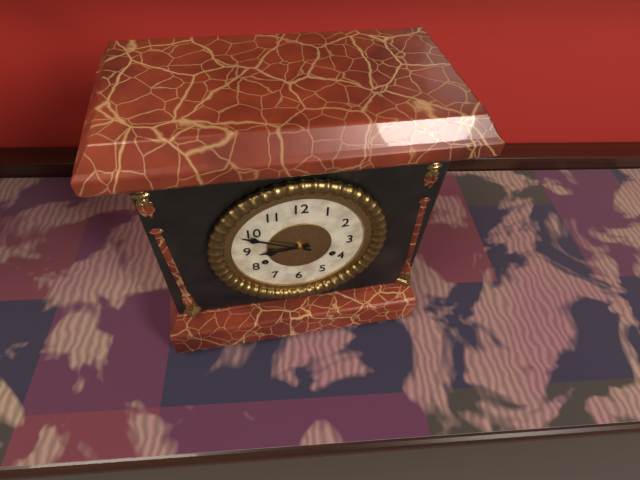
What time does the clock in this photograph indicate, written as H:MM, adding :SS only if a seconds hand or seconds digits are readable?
8:49
